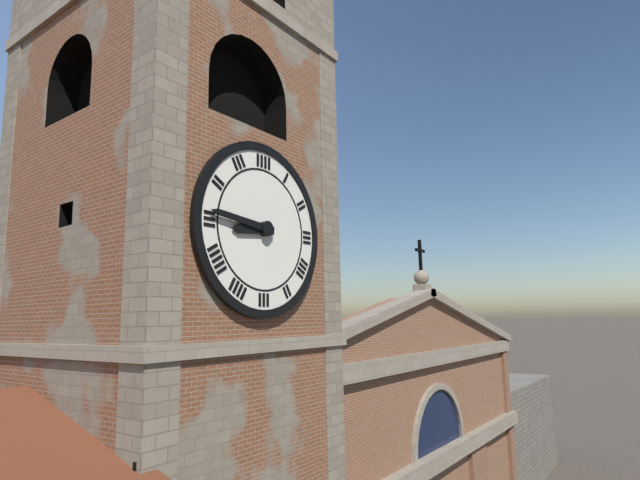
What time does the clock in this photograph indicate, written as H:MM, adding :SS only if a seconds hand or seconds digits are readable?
8:46
